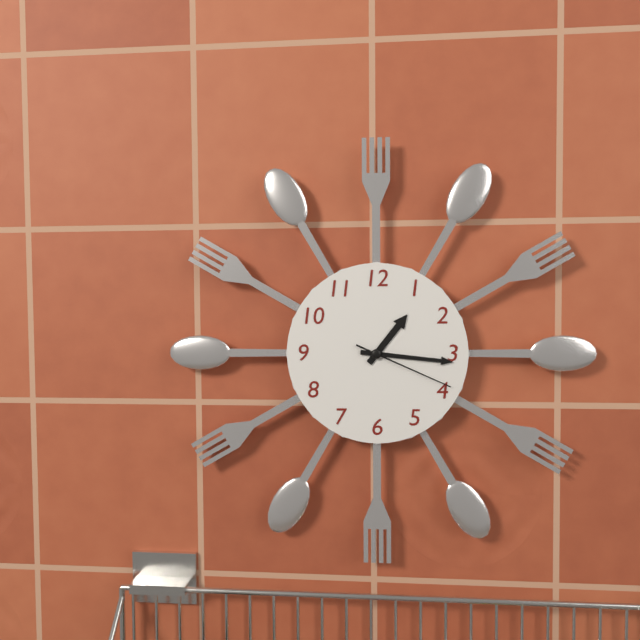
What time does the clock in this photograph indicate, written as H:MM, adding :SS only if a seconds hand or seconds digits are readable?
1:16:19
